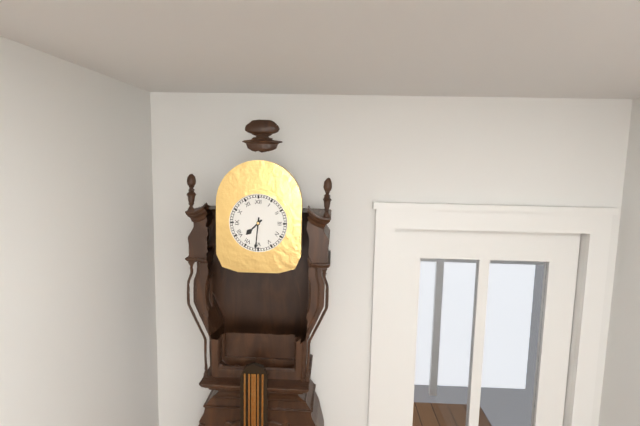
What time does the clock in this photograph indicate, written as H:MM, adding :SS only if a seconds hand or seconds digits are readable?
7:31
